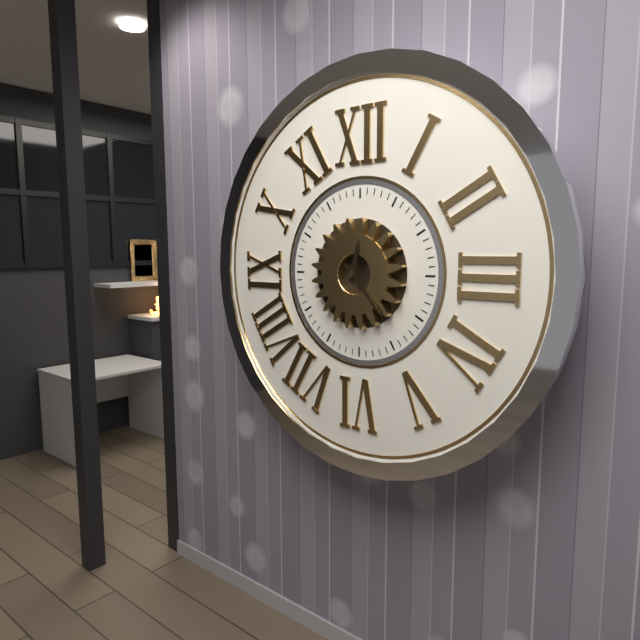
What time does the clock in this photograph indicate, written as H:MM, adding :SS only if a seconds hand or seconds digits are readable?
12:23
